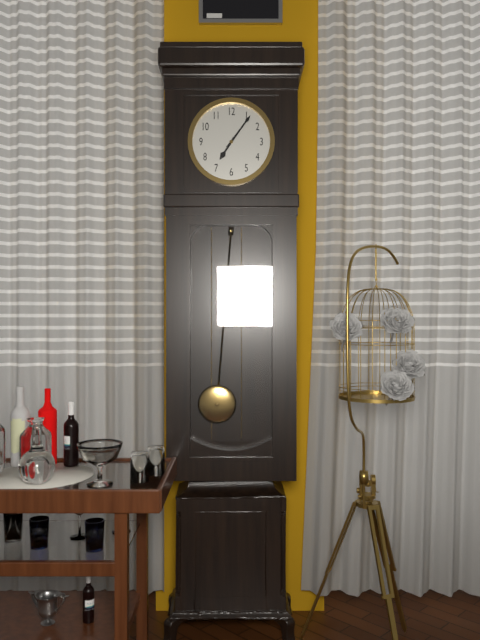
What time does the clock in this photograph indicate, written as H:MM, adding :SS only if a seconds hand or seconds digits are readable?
7:06
